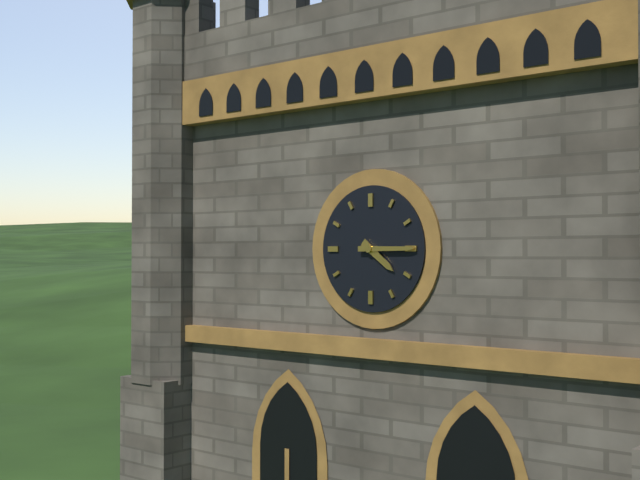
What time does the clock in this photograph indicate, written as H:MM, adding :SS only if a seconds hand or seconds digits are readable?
4:15
